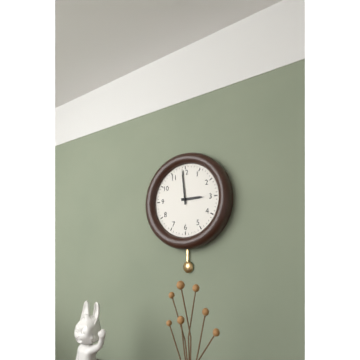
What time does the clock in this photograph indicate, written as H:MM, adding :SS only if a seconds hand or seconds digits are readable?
2:59
